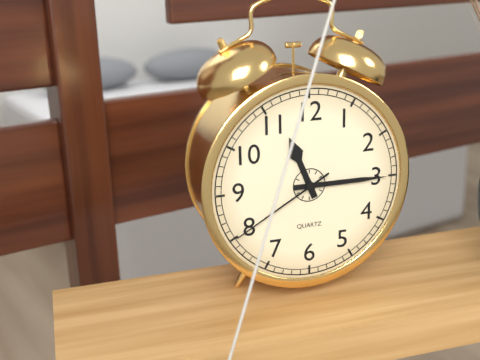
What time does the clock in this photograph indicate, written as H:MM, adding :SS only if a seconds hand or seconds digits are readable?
11:15:40
